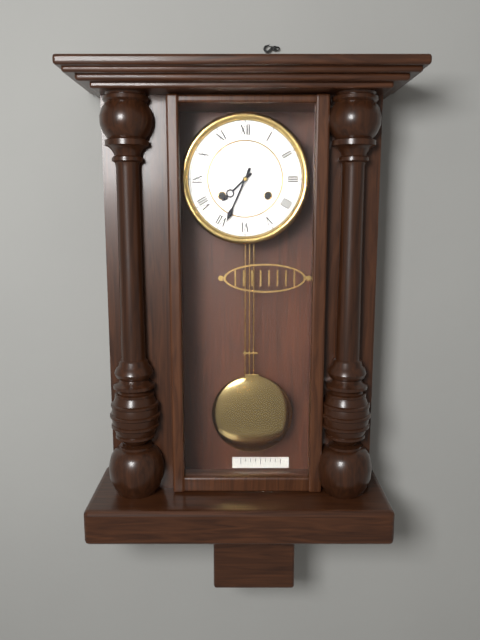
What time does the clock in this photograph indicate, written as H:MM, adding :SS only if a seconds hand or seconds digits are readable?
7:34
